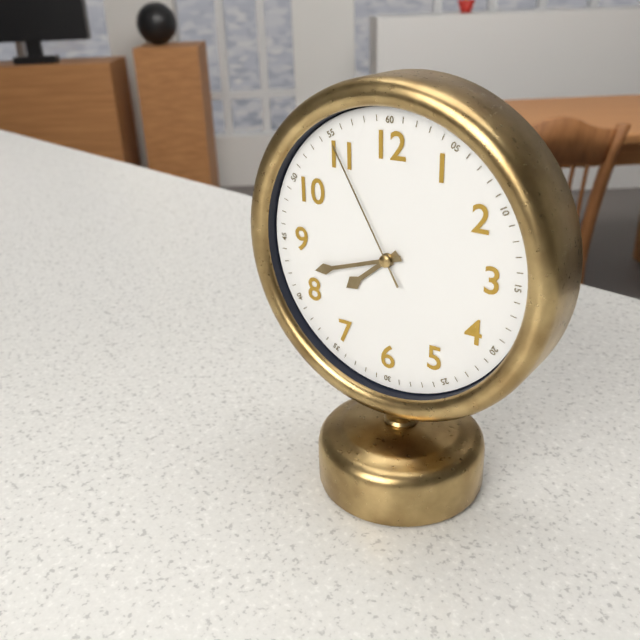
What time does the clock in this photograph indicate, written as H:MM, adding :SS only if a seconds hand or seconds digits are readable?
7:42:55
